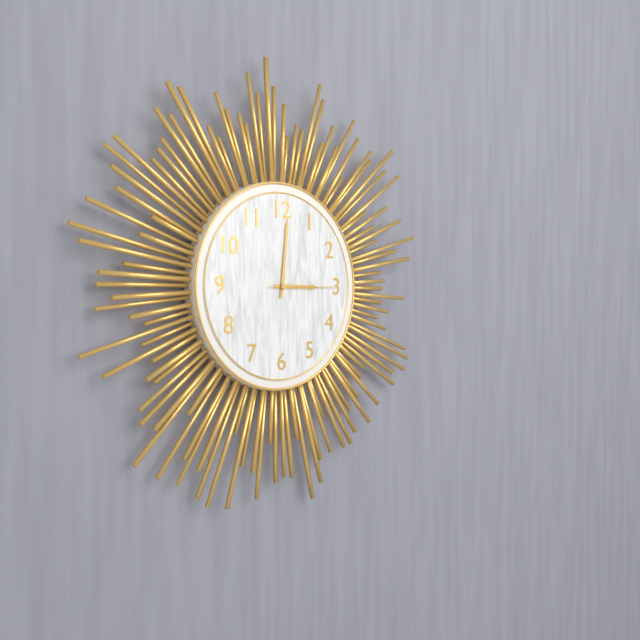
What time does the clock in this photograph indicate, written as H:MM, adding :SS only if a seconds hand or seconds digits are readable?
3:01:15
